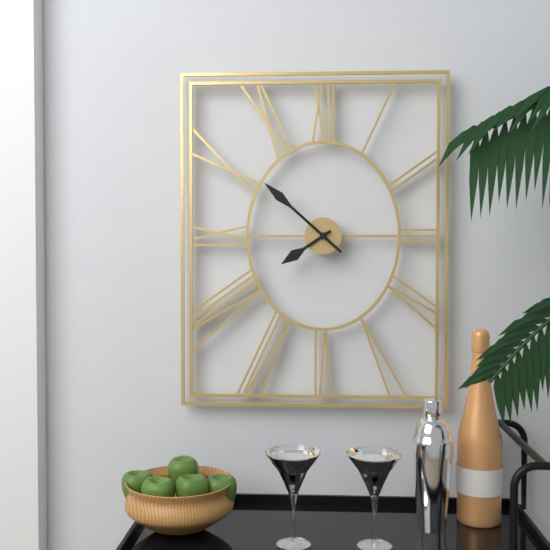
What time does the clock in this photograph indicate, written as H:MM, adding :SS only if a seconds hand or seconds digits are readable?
7:52
